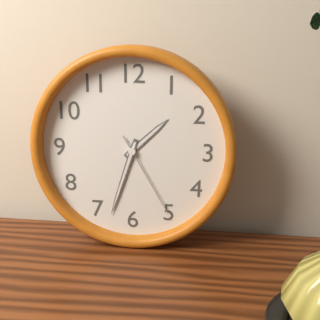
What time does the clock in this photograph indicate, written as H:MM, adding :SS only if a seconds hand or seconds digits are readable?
1:33:25
